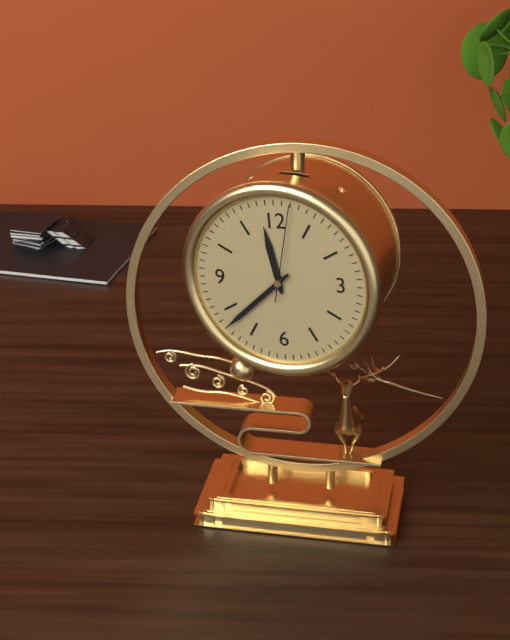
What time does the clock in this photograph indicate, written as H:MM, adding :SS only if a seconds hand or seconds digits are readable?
11:38:02
